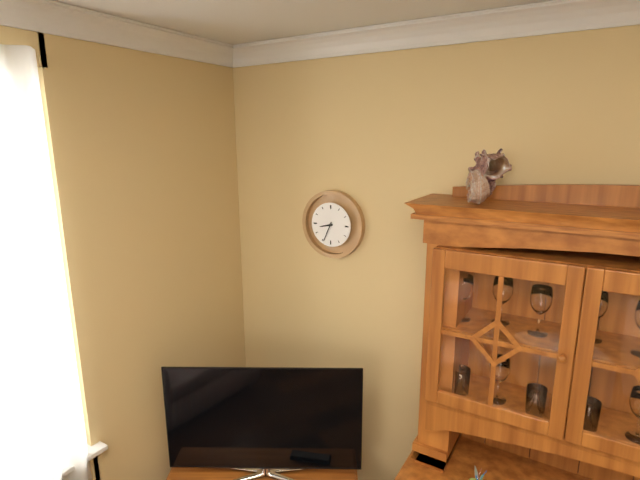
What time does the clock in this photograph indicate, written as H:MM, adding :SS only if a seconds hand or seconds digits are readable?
8:34
